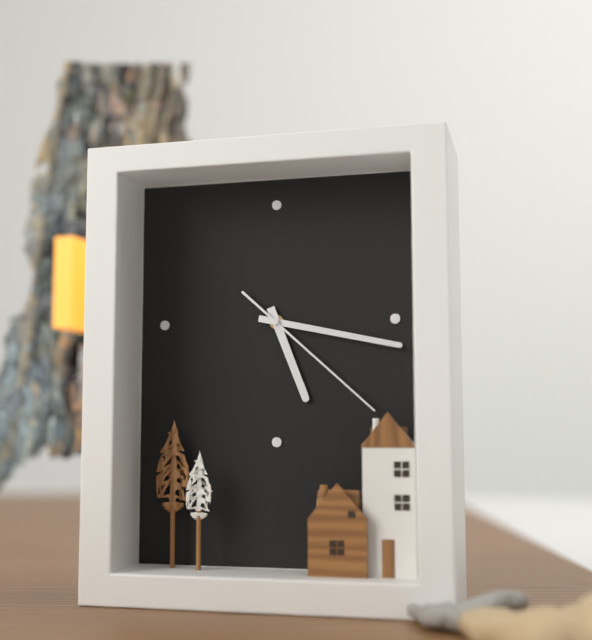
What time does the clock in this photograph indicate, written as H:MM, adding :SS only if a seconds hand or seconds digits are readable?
5:17:22
